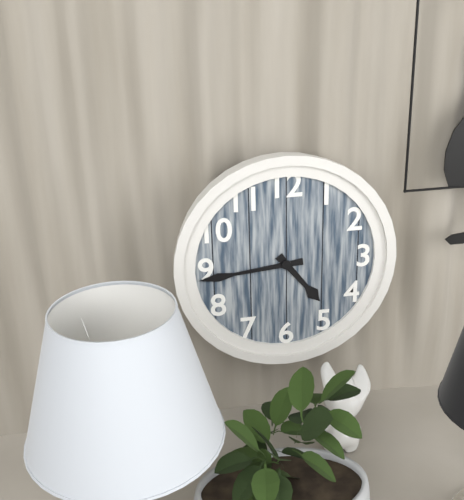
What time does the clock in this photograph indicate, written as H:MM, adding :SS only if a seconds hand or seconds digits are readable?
4:44
